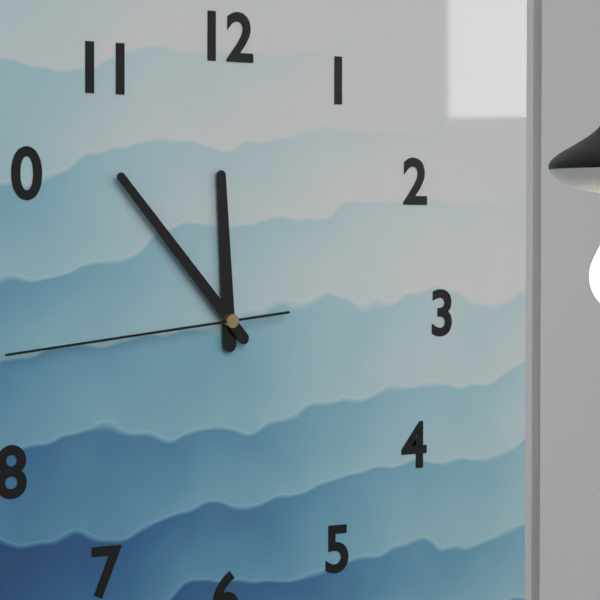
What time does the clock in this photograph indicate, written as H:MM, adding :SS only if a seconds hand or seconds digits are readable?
11:53:44
